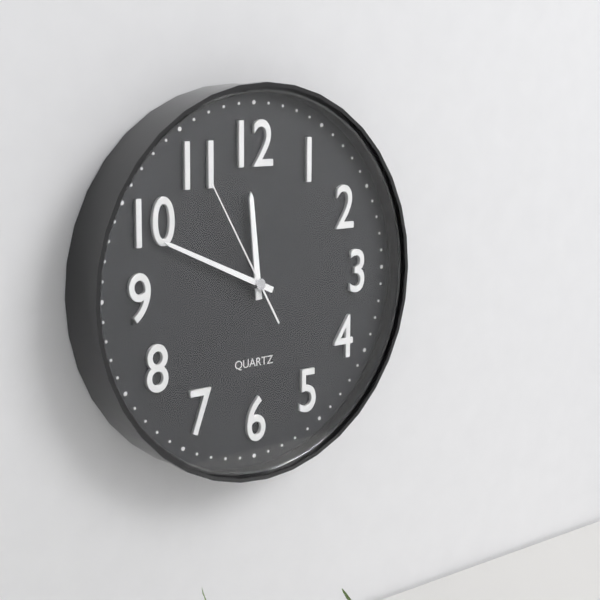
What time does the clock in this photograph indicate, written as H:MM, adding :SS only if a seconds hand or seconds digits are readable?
11:49:55
